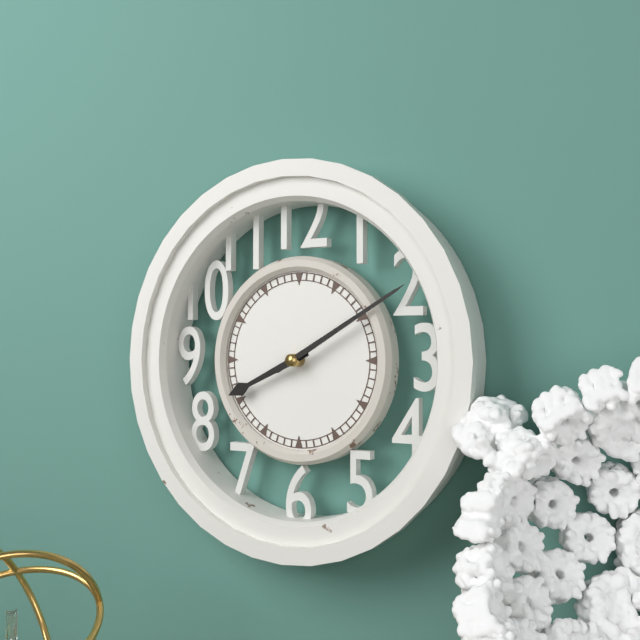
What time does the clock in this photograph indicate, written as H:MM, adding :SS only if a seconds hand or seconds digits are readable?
8:10
